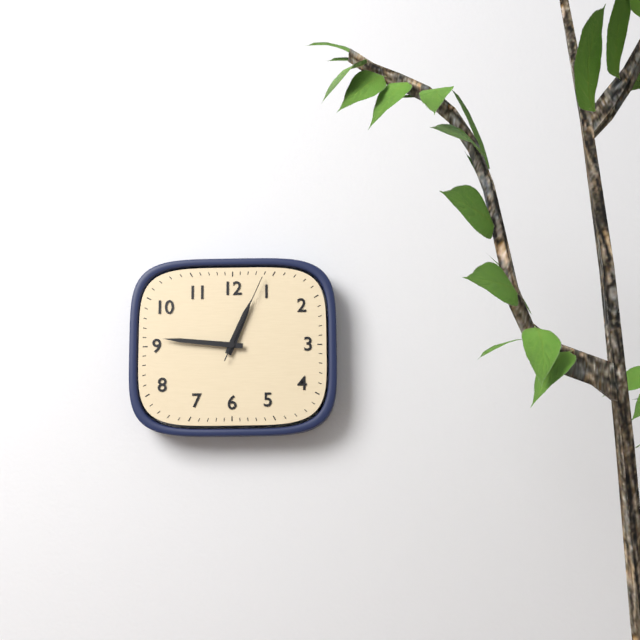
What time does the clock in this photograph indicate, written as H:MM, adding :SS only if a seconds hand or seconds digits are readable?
12:46:04
